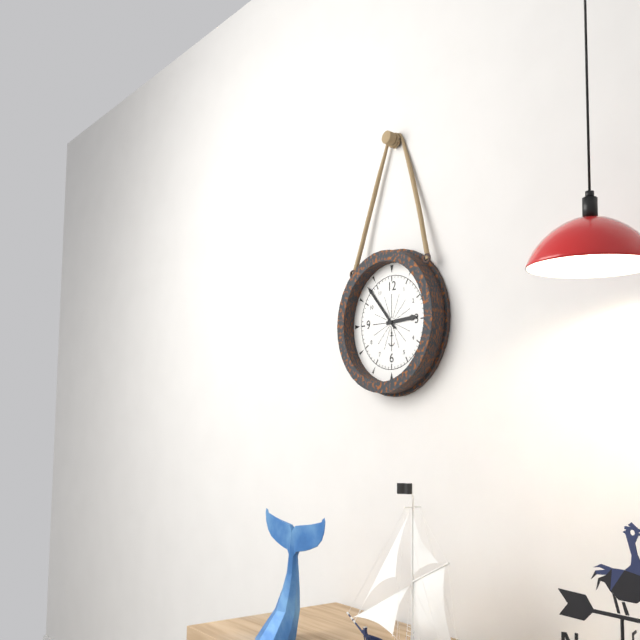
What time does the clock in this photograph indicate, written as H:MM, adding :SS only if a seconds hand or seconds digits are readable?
2:53
